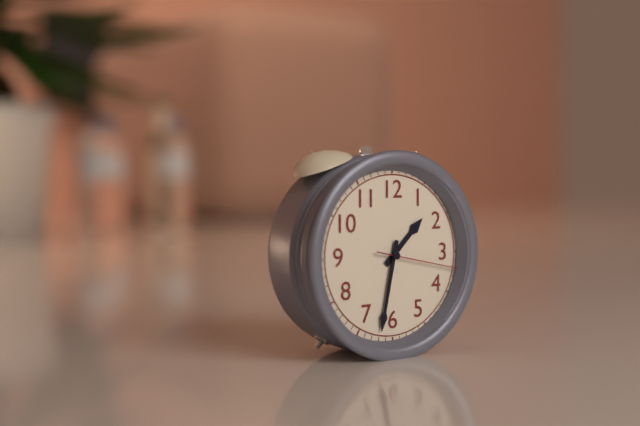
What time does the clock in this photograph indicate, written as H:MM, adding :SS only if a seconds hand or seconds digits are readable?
1:32:17
